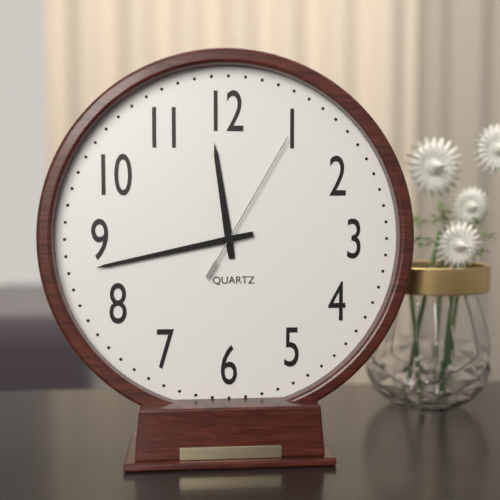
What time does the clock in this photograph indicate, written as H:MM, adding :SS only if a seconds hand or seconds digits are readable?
11:43:05
